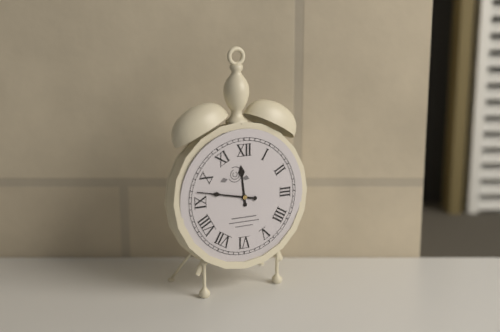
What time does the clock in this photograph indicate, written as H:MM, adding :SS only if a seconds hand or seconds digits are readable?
11:47
